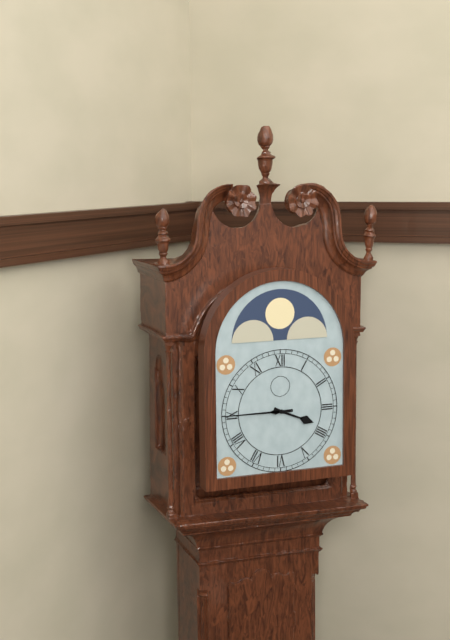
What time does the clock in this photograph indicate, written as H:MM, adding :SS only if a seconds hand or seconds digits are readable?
3:45
